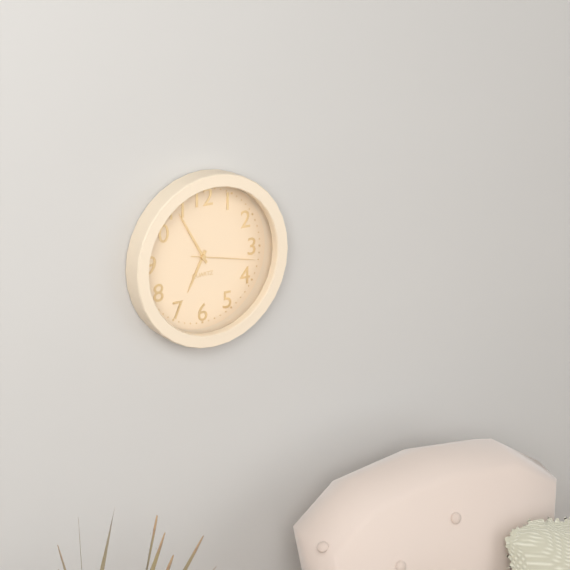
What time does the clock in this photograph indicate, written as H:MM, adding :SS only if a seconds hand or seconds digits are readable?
6:55:17
